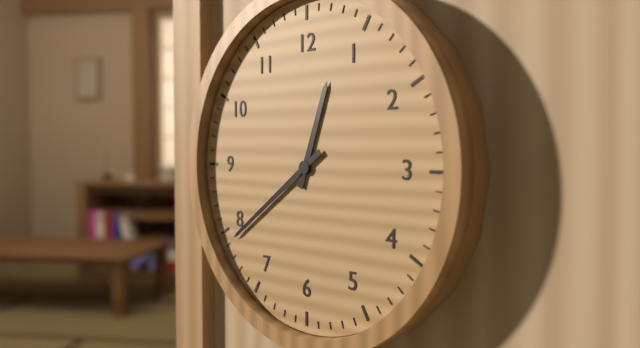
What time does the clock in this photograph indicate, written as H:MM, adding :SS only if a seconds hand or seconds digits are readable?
12:39
